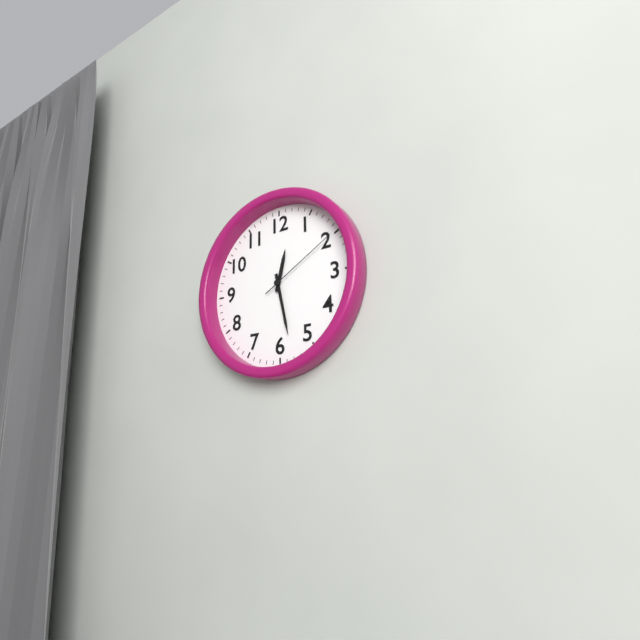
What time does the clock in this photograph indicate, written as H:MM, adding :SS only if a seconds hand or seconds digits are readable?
12:28:10
